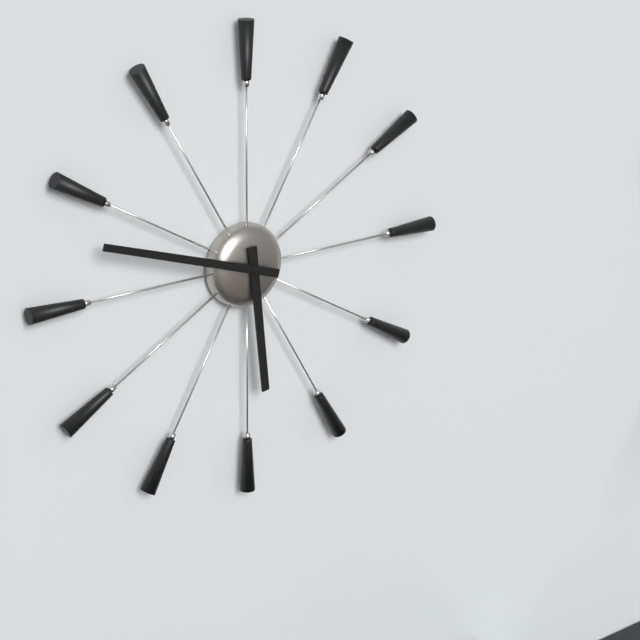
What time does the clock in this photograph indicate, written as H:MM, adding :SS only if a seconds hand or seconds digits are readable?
5:48
